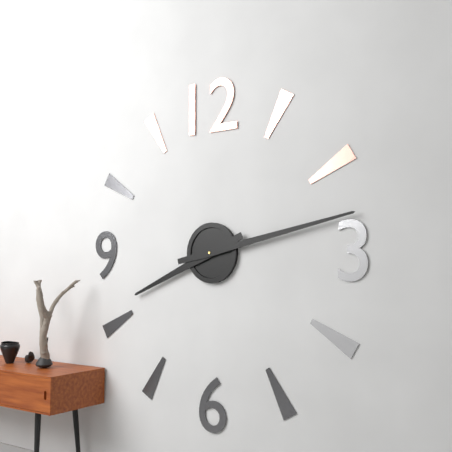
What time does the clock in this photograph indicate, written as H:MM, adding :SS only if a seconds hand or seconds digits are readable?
8:13
